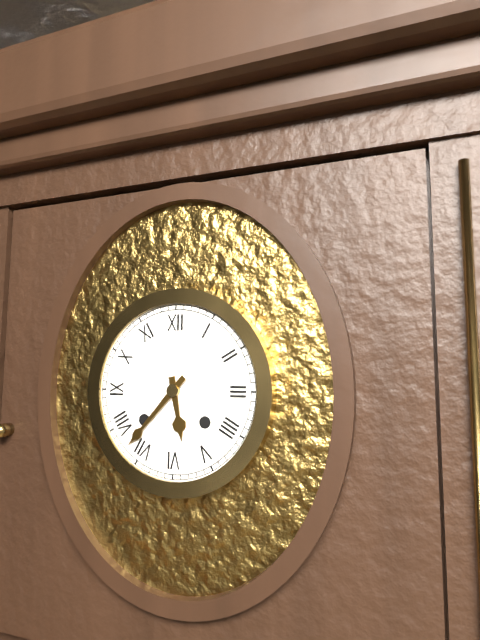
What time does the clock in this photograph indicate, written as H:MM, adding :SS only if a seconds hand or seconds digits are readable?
5:37
